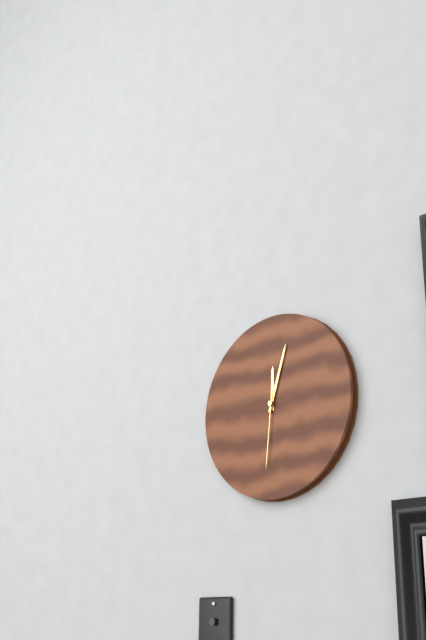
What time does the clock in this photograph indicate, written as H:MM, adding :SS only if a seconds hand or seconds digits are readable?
12:03:31
